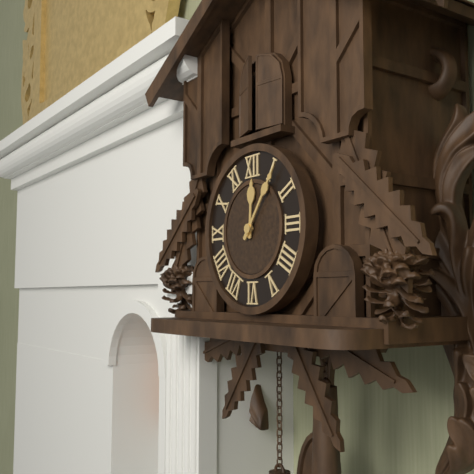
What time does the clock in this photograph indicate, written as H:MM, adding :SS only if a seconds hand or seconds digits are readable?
12:06
